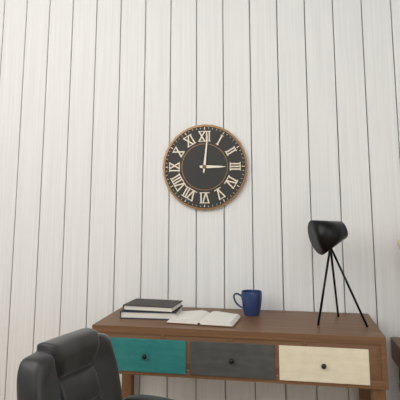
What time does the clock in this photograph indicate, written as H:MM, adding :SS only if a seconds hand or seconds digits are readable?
3:01
